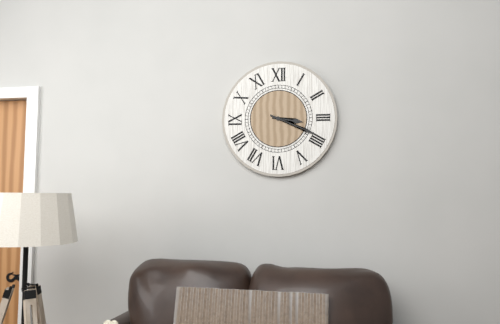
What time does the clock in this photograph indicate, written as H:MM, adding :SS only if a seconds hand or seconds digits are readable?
3:19
